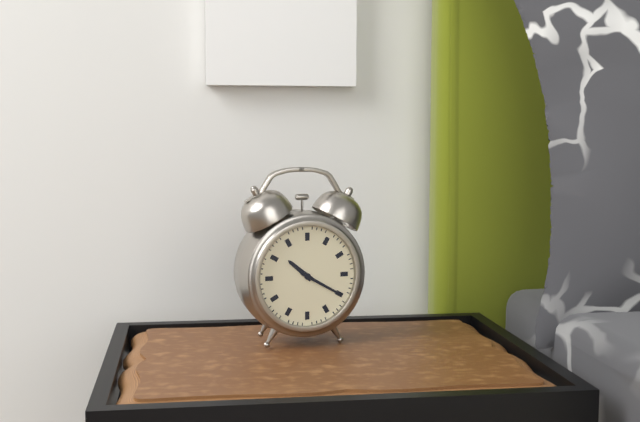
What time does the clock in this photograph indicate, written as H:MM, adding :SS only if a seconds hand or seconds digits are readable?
10:20
